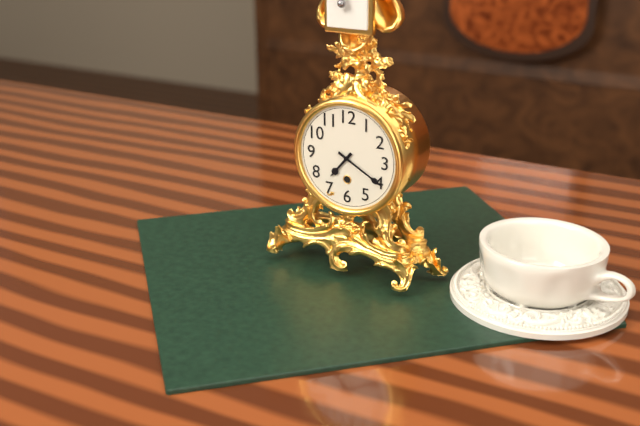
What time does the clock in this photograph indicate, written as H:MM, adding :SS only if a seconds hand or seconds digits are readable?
7:20
